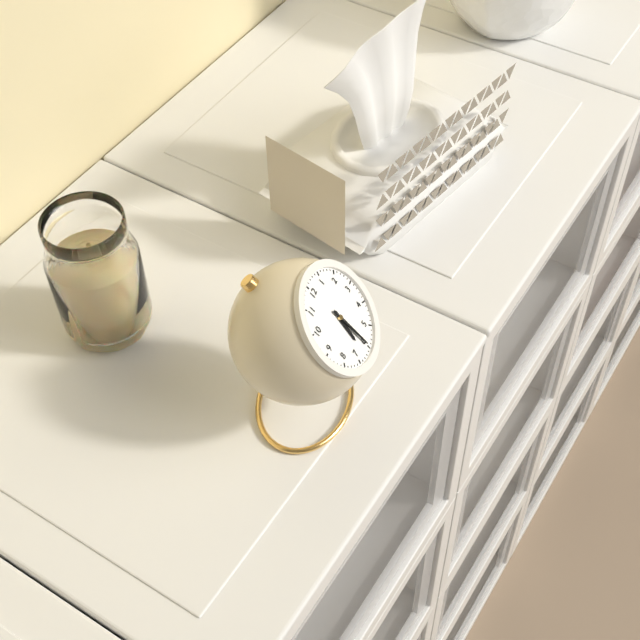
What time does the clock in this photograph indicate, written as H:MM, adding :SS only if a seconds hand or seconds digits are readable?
6:30
